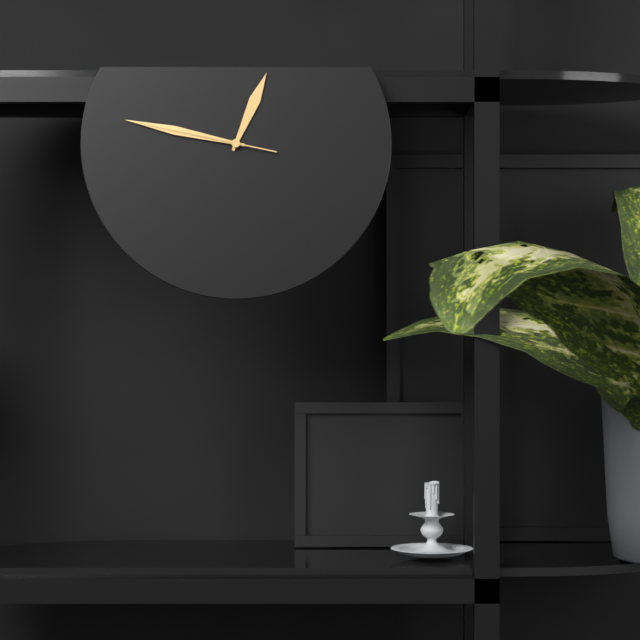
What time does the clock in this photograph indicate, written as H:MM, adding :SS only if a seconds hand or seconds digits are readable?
12:47:47
